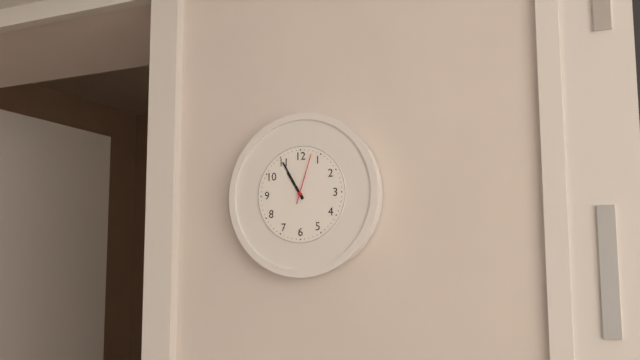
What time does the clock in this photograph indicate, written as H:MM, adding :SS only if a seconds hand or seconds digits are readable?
10:55:03
